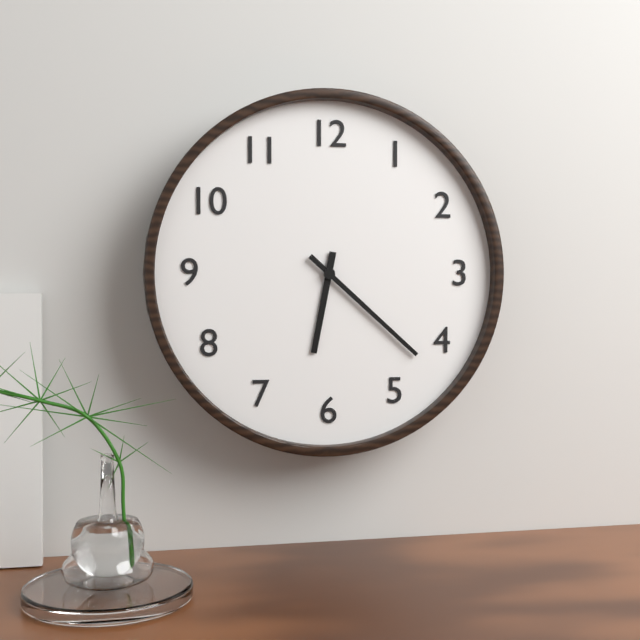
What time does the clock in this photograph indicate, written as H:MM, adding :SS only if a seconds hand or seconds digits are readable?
6:22
